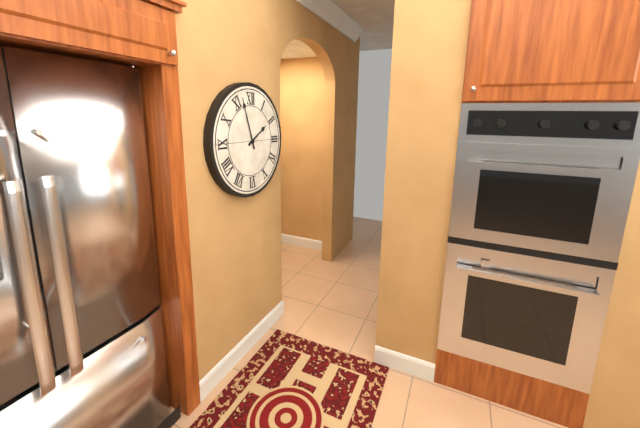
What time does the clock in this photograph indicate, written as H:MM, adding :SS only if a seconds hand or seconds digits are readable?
1:57
